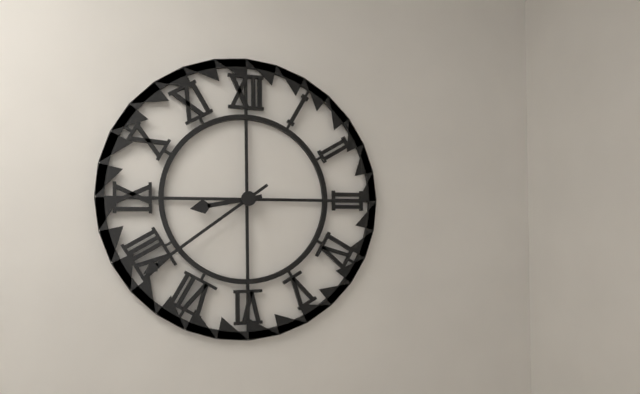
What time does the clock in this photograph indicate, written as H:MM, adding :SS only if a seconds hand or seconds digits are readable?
8:39
